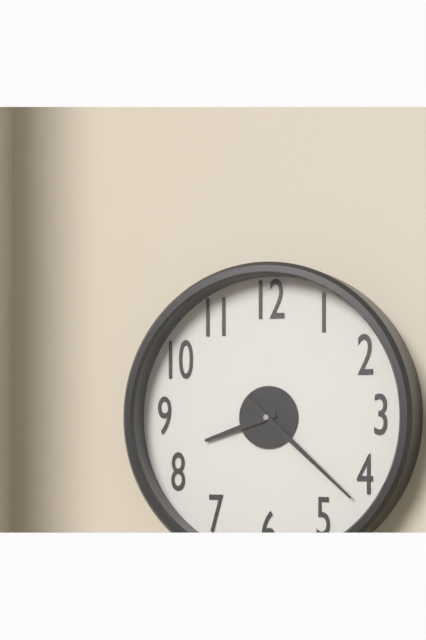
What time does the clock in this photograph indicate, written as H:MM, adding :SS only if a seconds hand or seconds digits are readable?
8:22
